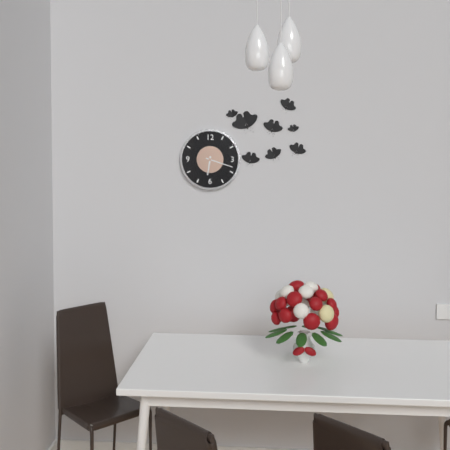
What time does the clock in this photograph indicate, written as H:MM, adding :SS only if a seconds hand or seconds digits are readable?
6:18
